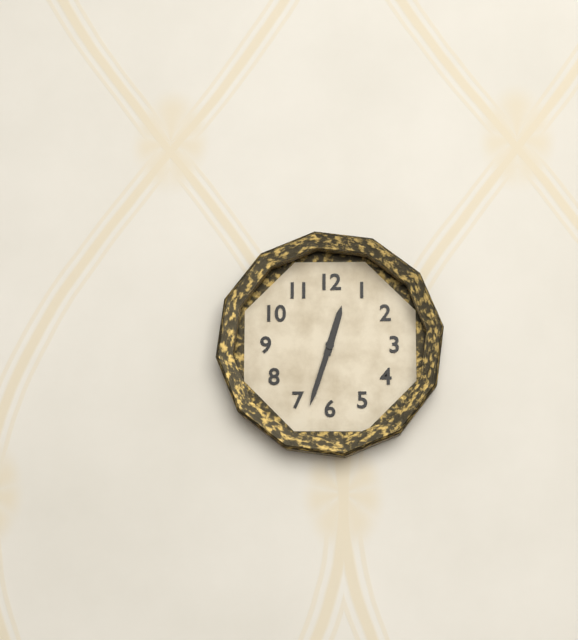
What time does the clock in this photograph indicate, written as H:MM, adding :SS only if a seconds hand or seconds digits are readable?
12:33
